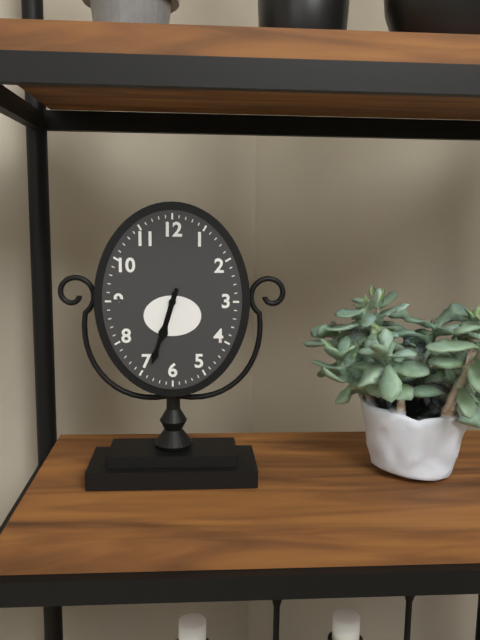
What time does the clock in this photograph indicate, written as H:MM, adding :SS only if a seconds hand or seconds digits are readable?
6:33
